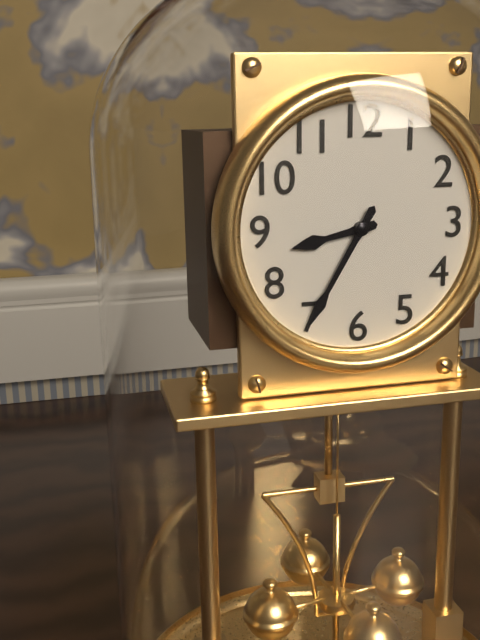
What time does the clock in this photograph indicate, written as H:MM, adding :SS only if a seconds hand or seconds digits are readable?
8:35
